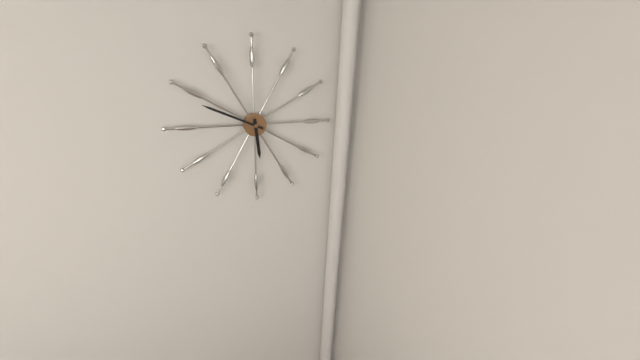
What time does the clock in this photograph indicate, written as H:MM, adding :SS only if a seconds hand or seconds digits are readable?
5:49
